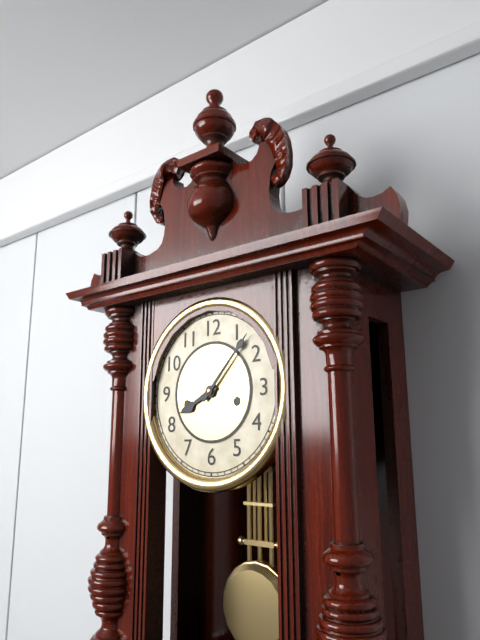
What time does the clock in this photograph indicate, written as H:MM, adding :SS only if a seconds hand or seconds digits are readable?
8:07
